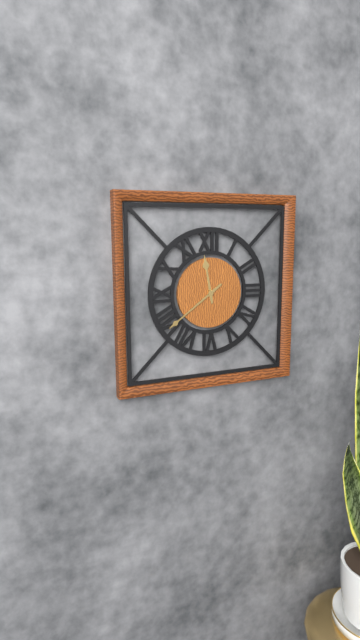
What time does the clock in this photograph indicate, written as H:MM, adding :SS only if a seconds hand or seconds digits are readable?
11:39
